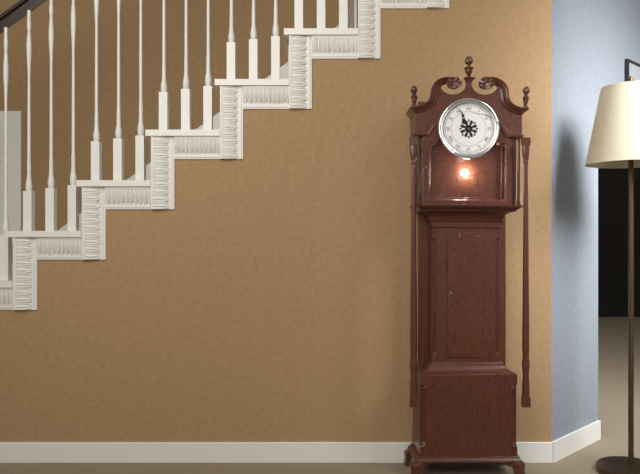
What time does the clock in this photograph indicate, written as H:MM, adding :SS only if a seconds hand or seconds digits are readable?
10:56
